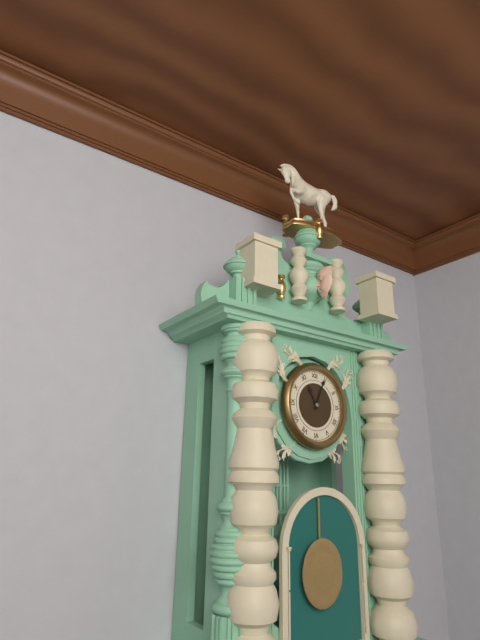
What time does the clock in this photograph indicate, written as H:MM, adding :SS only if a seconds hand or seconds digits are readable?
11:04
